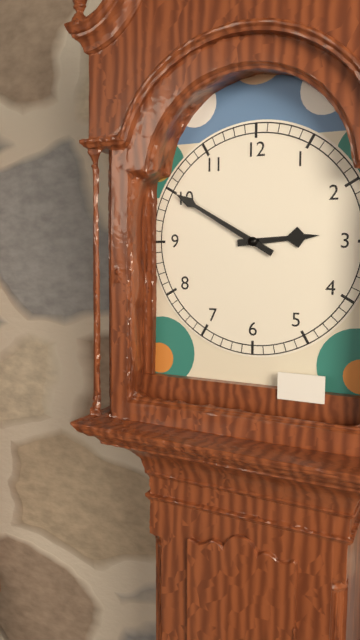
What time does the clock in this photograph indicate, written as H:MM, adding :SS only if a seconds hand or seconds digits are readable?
2:50
